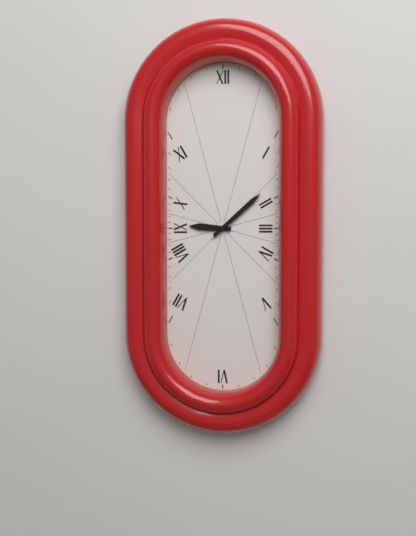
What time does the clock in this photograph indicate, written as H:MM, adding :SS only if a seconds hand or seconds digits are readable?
9:08
